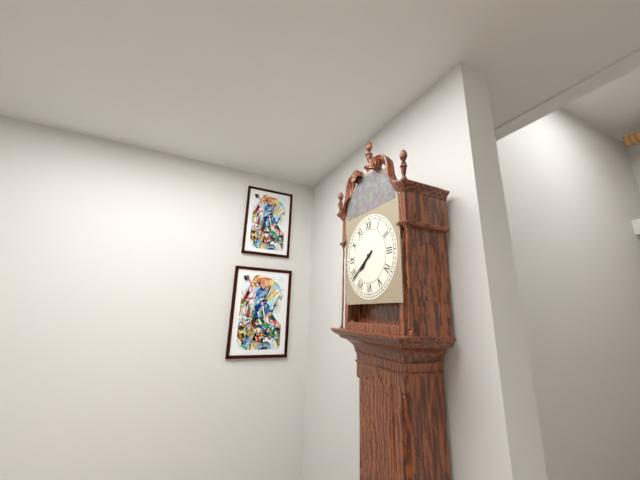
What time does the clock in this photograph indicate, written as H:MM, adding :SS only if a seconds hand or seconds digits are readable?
7:39
